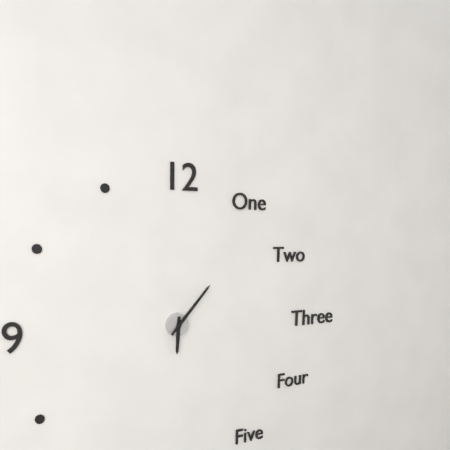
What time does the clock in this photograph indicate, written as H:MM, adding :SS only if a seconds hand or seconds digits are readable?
6:07
